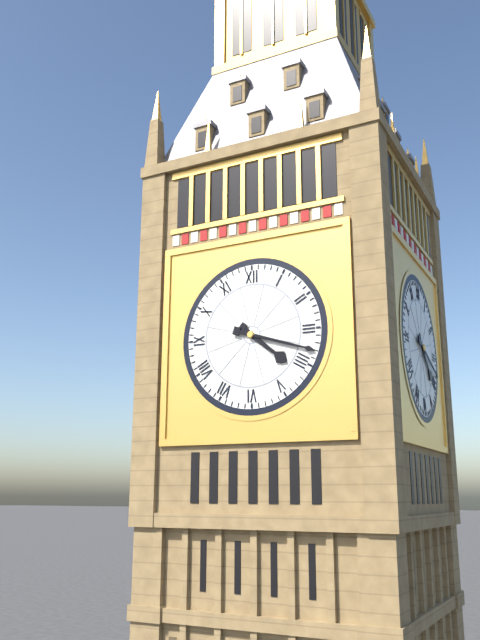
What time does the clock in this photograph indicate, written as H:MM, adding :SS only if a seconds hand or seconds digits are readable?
4:18
